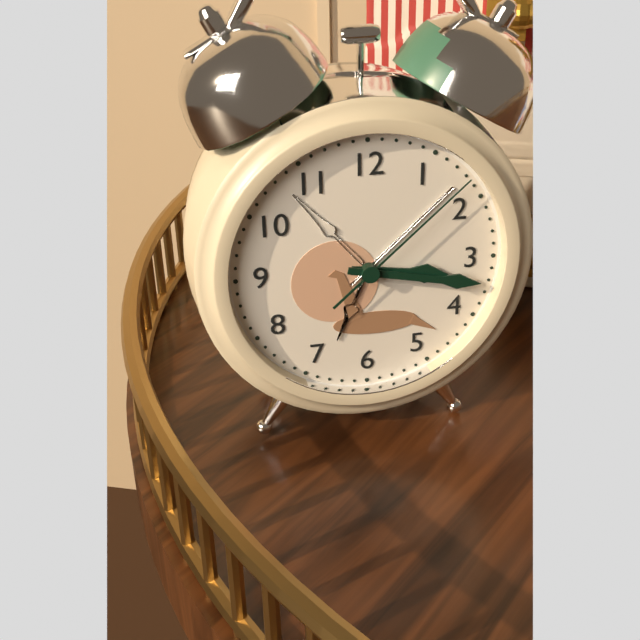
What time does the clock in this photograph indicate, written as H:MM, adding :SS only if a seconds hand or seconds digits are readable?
3:17:08
